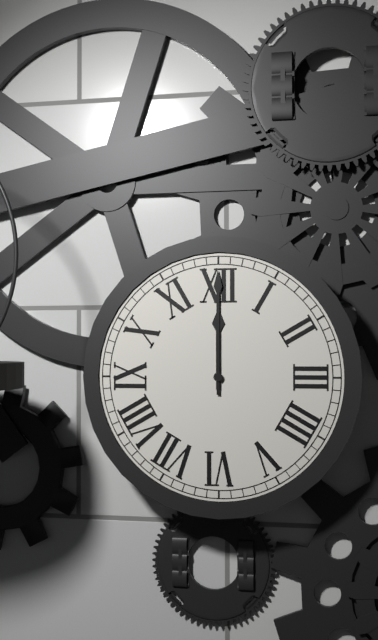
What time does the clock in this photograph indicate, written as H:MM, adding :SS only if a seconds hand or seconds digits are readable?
12:00
